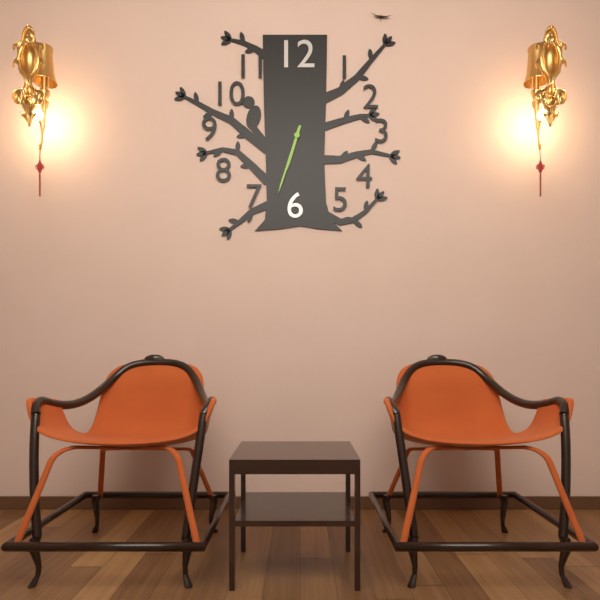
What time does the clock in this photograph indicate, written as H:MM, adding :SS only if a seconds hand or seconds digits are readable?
6:33
